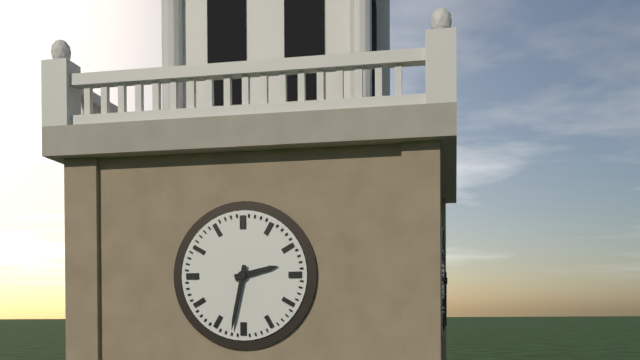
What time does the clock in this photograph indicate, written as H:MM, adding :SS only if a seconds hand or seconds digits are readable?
2:32
